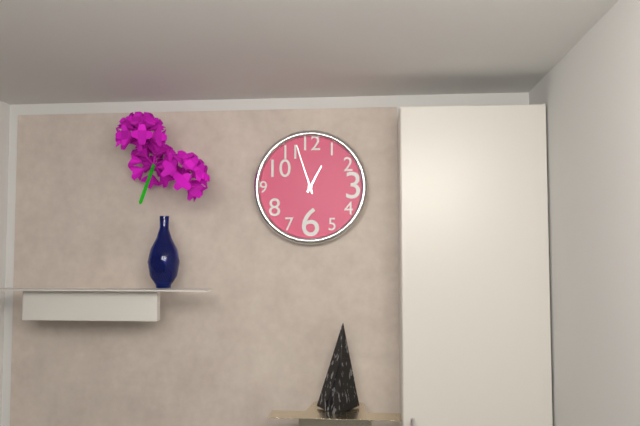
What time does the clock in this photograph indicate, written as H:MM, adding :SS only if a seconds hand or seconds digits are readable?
12:57
